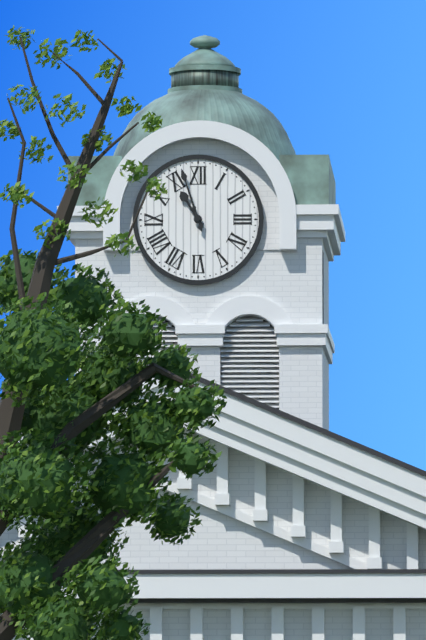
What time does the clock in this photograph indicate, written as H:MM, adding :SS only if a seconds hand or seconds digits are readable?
10:57
